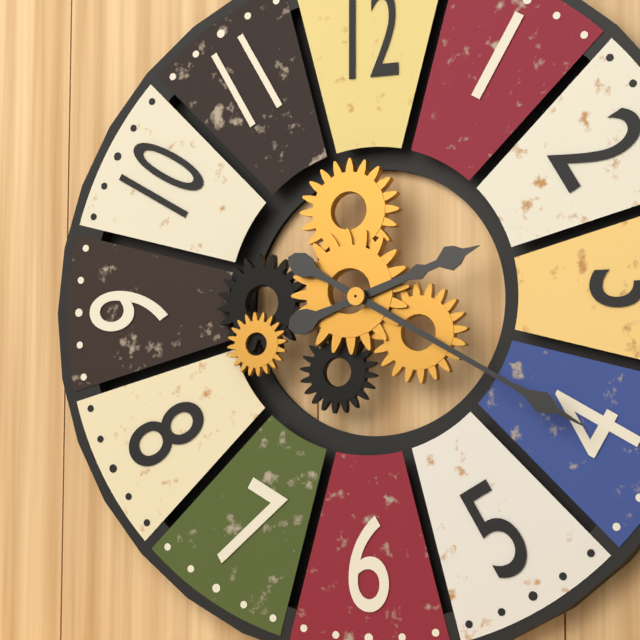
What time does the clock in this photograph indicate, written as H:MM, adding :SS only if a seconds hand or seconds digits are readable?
2:20
